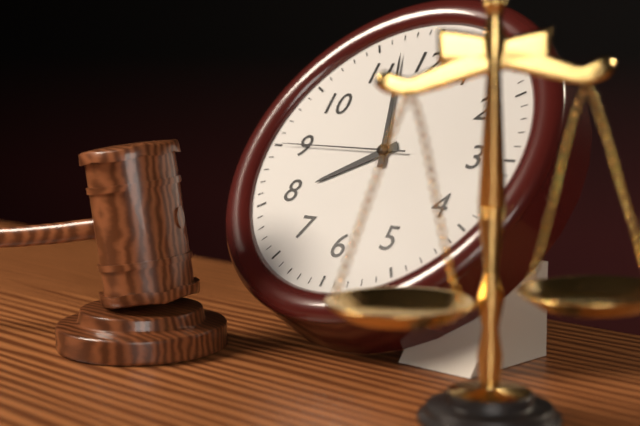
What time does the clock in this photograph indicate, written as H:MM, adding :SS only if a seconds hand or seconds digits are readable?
7:57:45
